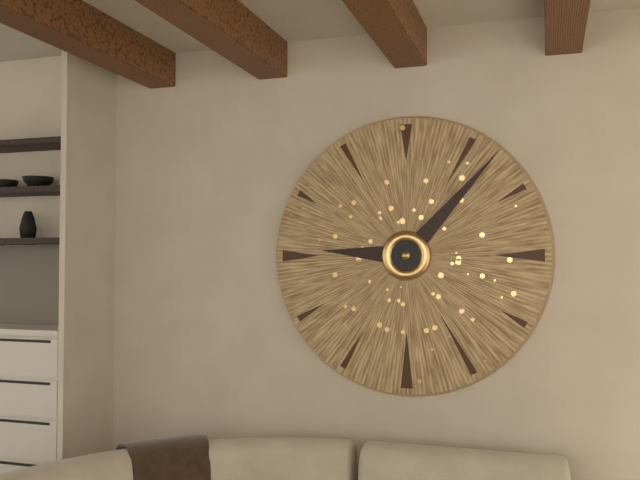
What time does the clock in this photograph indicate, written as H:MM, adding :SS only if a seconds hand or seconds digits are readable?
9:07
